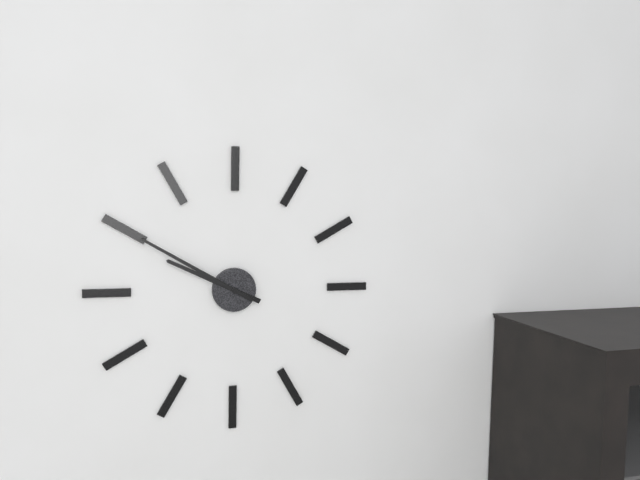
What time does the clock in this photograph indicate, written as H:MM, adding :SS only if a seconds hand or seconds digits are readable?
9:50
